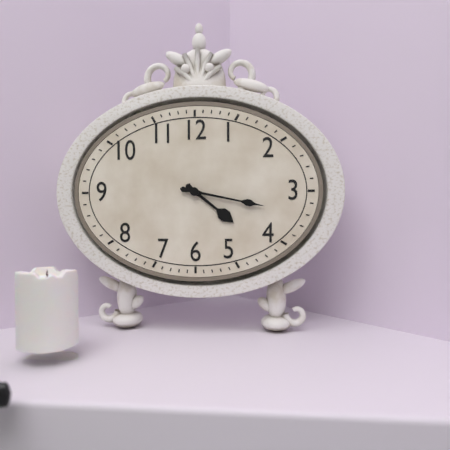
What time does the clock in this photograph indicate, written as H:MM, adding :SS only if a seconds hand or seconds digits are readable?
4:17
